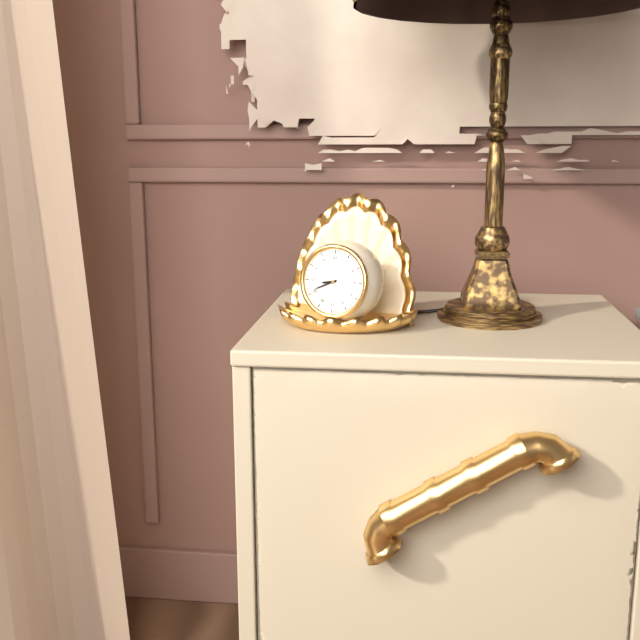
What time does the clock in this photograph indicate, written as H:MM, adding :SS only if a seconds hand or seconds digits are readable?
8:41
